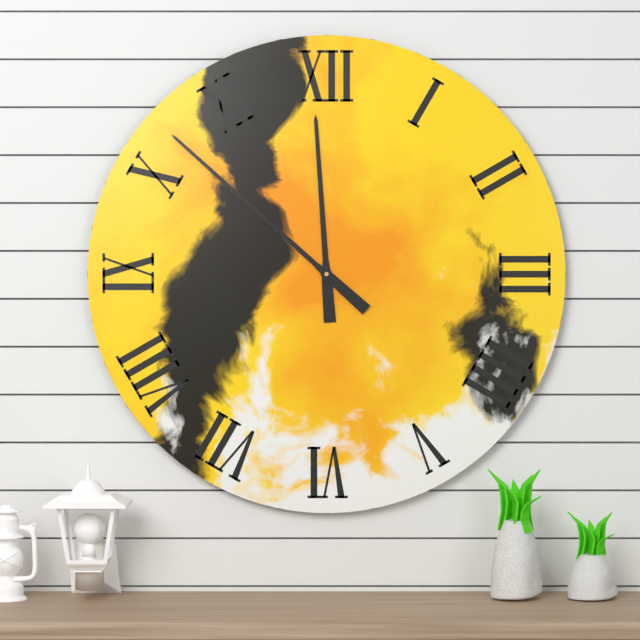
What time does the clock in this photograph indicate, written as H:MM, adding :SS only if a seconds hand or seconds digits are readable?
11:52
